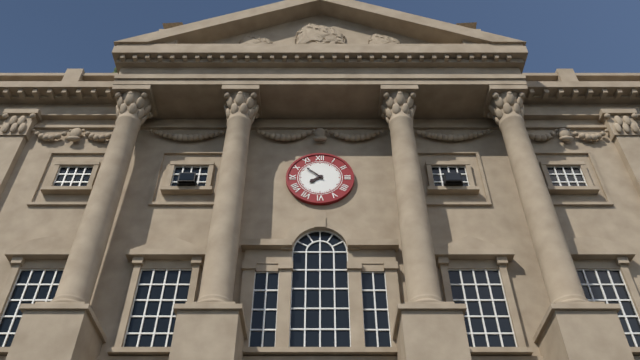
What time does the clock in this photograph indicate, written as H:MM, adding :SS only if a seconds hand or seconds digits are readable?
7:52
